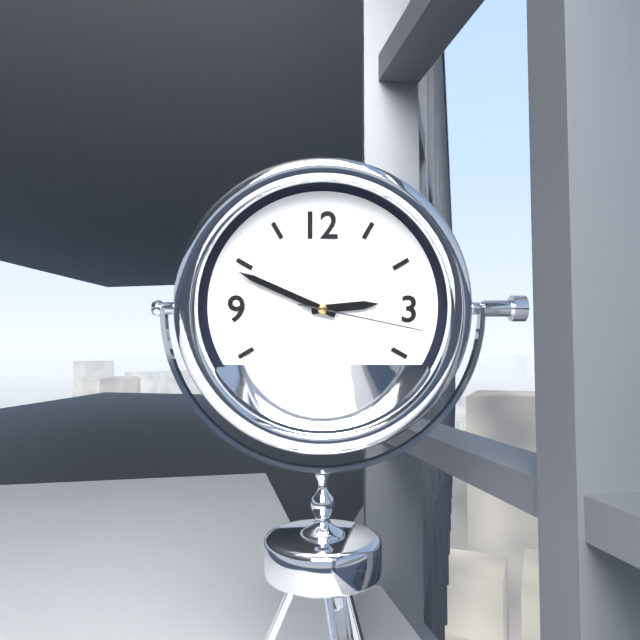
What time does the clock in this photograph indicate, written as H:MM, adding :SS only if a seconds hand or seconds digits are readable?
2:49:17
